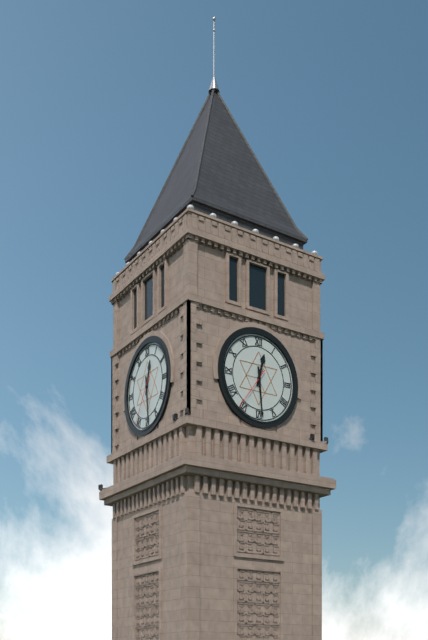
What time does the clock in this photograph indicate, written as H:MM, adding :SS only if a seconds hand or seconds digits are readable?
12:29
